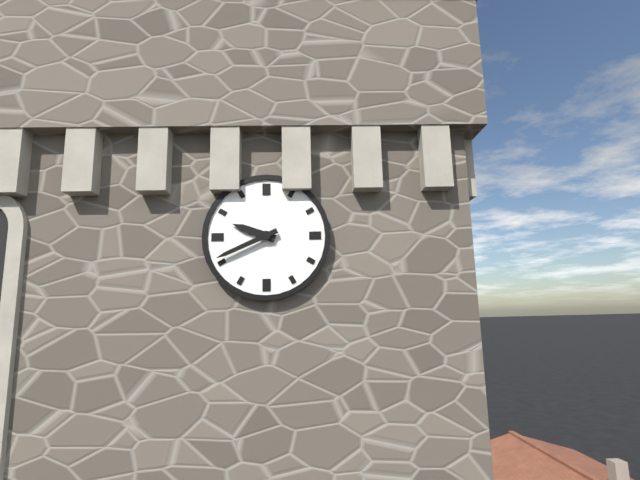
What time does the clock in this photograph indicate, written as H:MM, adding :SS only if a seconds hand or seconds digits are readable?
9:41
